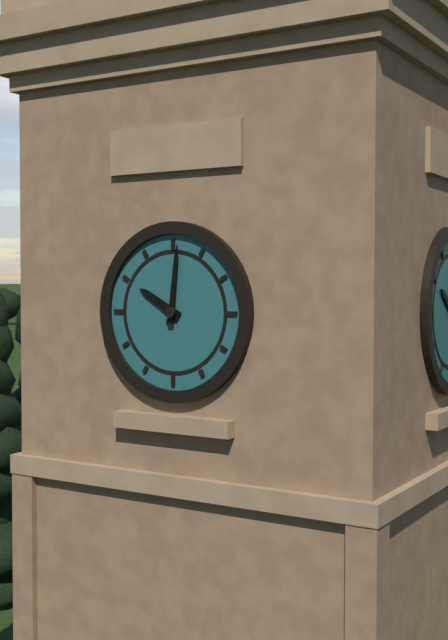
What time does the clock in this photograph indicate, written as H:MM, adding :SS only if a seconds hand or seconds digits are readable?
10:01
